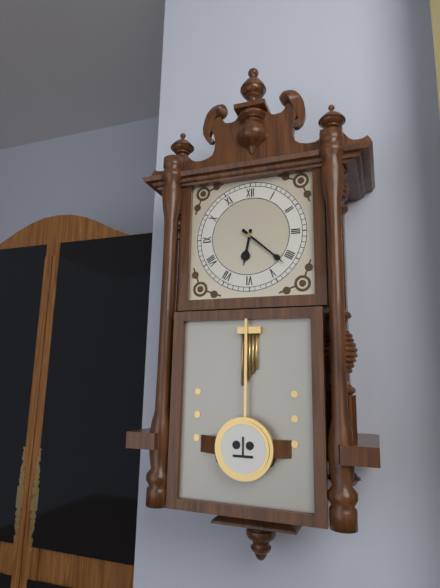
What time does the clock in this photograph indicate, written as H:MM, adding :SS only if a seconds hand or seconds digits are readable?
6:22
